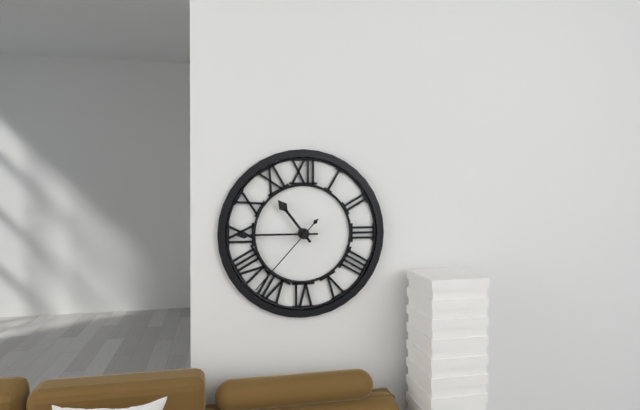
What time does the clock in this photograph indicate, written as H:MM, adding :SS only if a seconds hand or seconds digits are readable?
10:45:37
